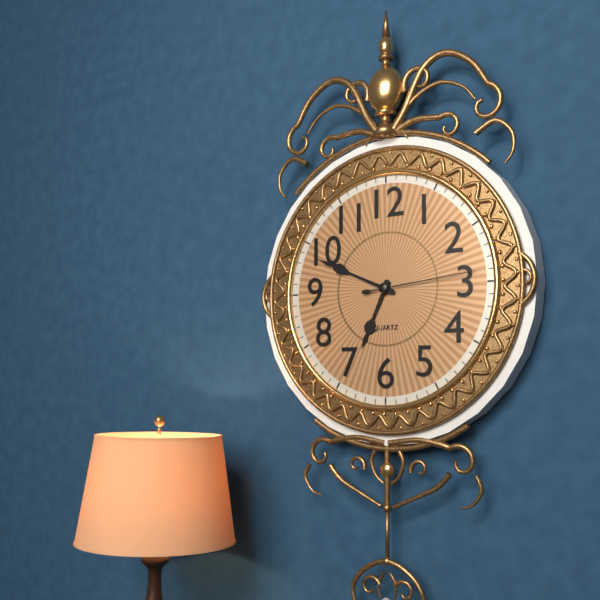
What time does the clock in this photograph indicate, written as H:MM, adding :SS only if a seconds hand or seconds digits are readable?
6:49:14
